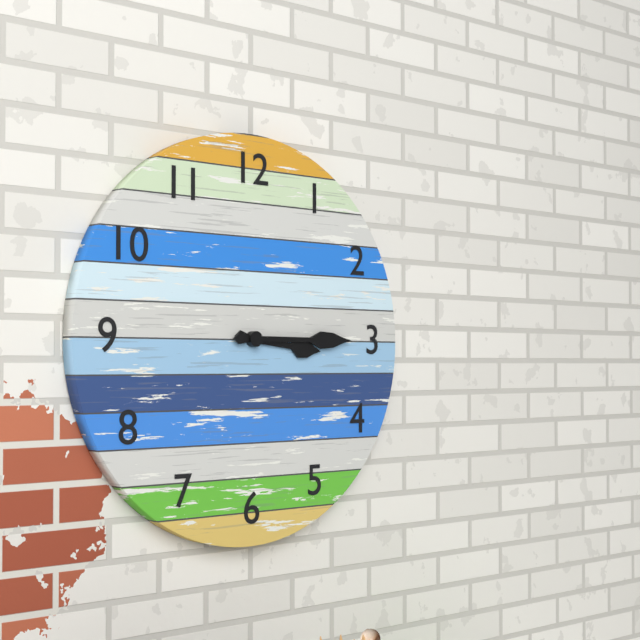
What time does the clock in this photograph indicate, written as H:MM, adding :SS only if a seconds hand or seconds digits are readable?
3:15
